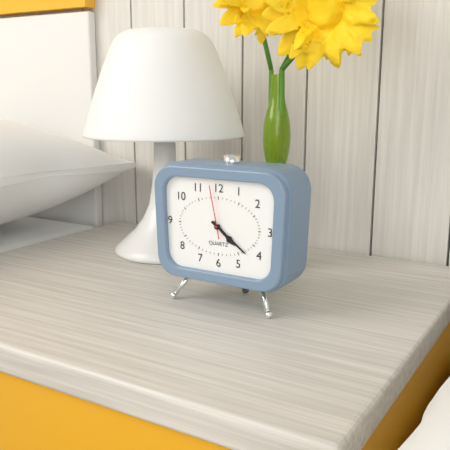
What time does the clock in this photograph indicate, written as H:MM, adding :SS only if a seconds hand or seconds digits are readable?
4:21:58
